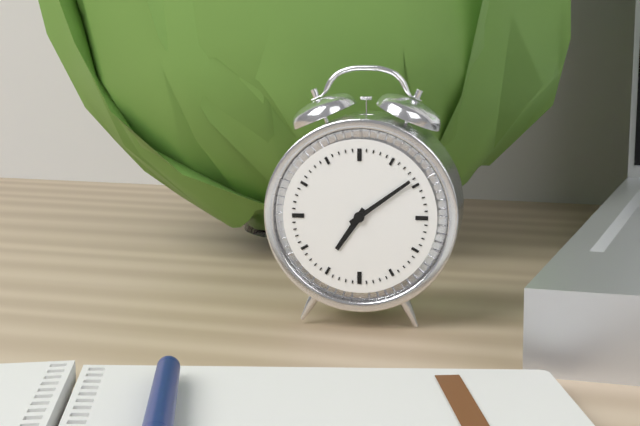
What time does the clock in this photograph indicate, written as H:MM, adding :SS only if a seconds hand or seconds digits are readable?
7:09
